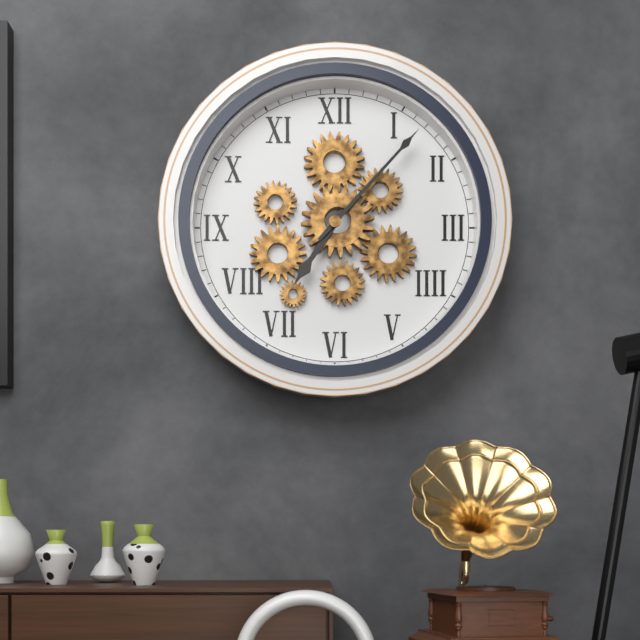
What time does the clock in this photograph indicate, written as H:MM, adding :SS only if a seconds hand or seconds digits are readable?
7:07
